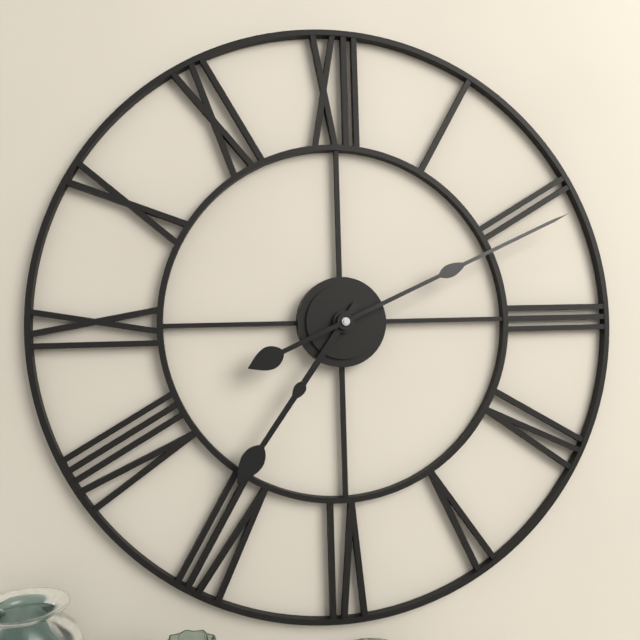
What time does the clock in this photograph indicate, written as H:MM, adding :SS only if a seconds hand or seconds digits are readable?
7:11
